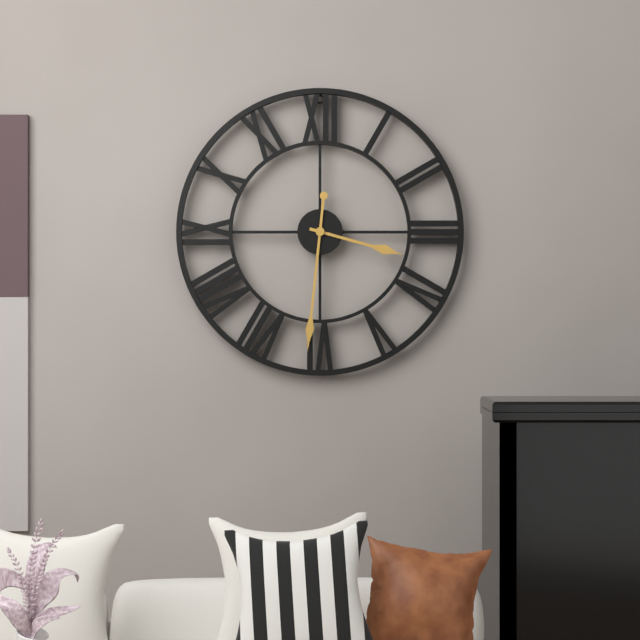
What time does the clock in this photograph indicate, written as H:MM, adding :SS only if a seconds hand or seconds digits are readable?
3:31
